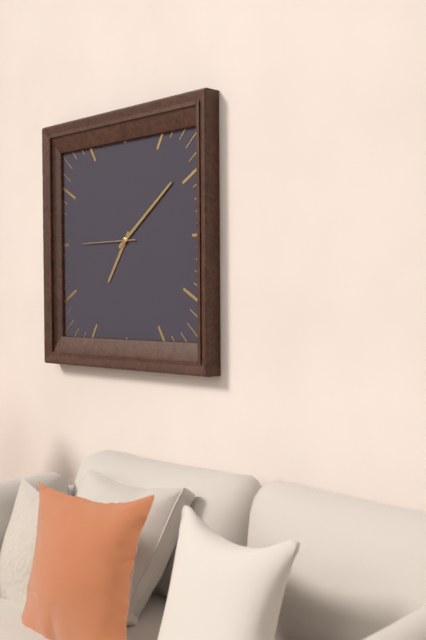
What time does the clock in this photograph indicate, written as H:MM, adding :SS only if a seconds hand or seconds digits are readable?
7:09:45
